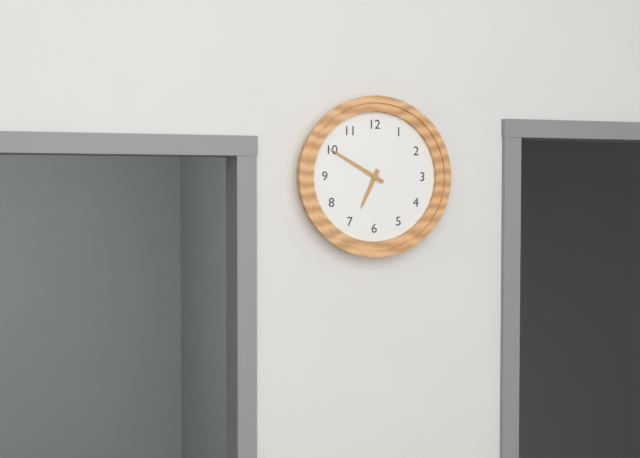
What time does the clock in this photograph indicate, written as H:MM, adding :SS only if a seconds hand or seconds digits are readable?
6:50
